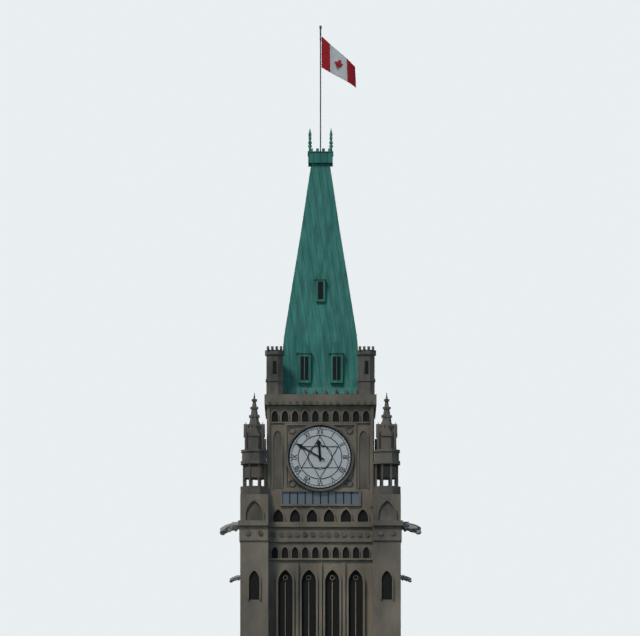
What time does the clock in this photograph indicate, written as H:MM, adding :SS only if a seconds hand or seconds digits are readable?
11:50
